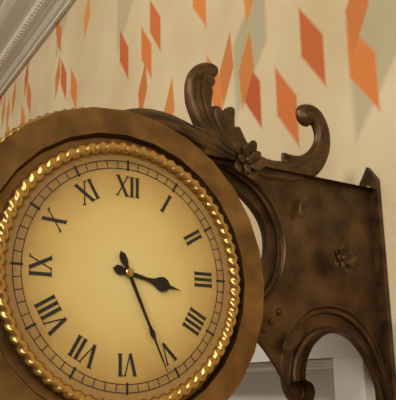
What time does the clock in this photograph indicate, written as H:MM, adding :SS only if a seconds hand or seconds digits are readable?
3:26
